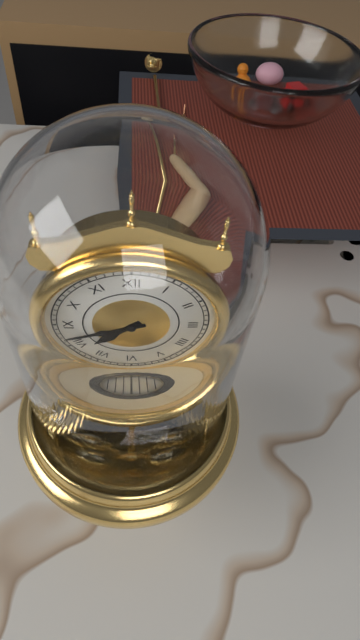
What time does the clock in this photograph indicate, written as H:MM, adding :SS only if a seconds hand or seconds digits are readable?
7:42
